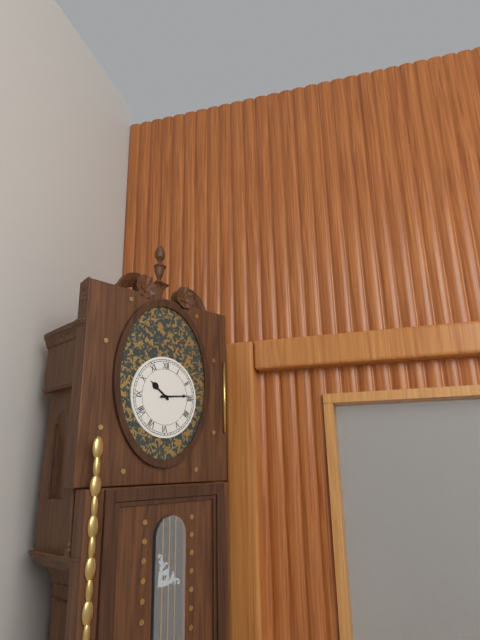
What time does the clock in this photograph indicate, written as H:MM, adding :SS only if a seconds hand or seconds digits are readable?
10:14
